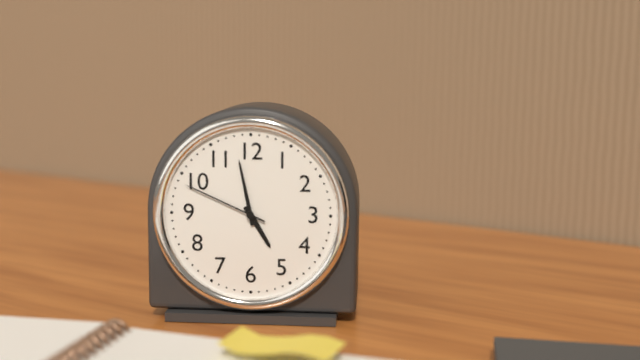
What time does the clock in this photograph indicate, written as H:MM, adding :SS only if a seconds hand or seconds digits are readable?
4:58:49
